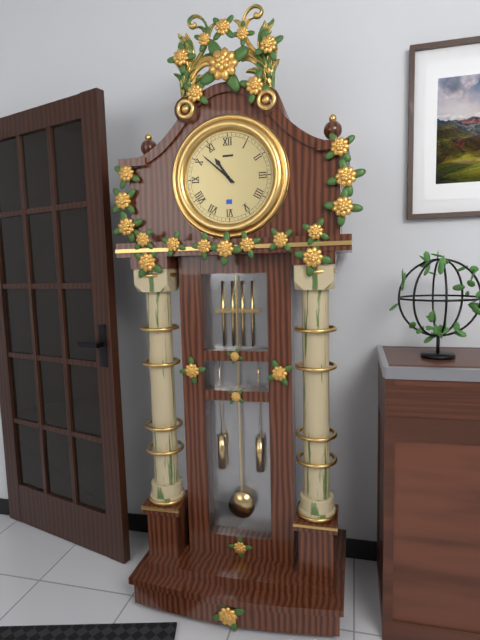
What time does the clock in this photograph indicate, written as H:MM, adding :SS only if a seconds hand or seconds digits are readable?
10:52
